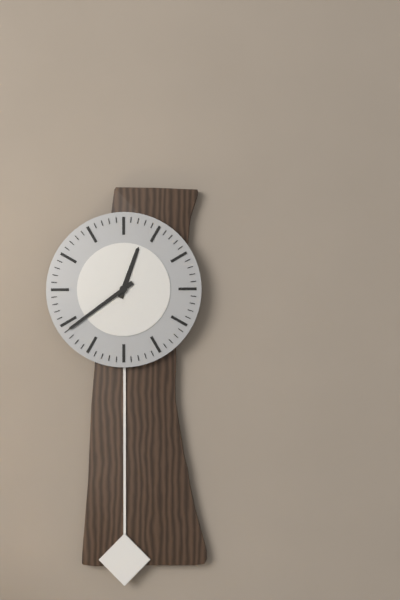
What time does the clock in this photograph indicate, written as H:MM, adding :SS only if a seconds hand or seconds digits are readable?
12:39
